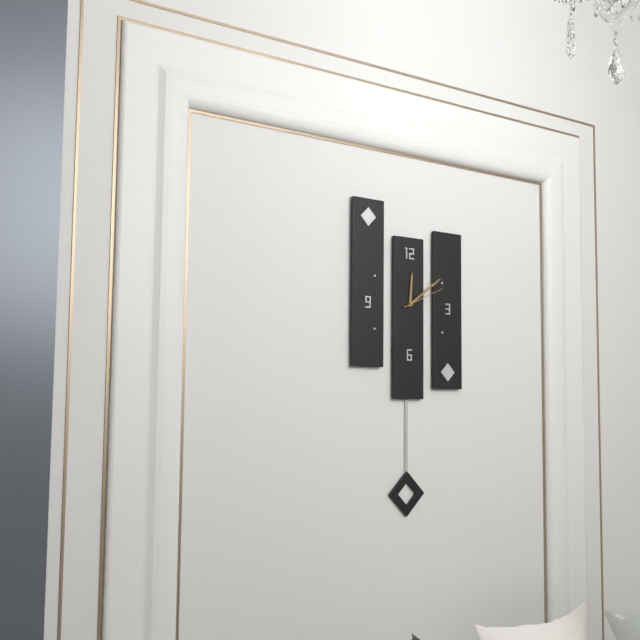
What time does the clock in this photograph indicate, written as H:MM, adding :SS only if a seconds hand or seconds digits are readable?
12:09:11
